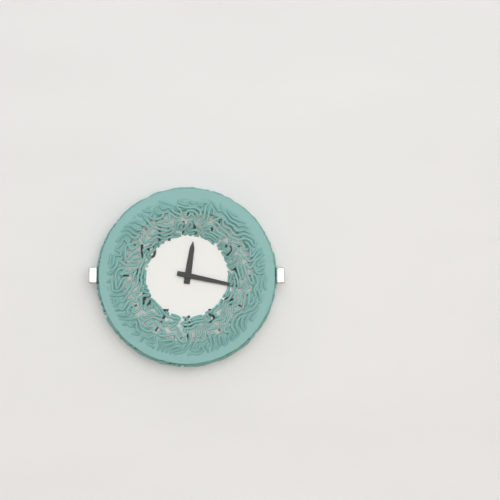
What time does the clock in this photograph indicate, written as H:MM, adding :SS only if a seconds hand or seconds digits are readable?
12:17
